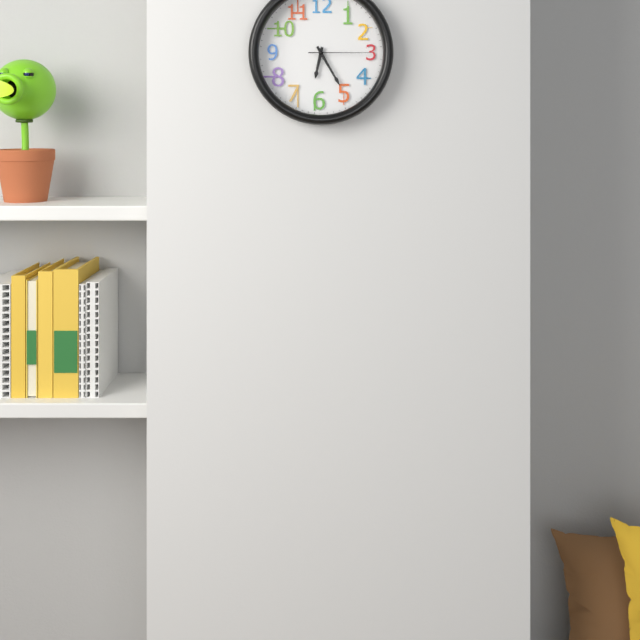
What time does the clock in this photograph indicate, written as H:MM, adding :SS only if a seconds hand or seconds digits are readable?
6:25:15
